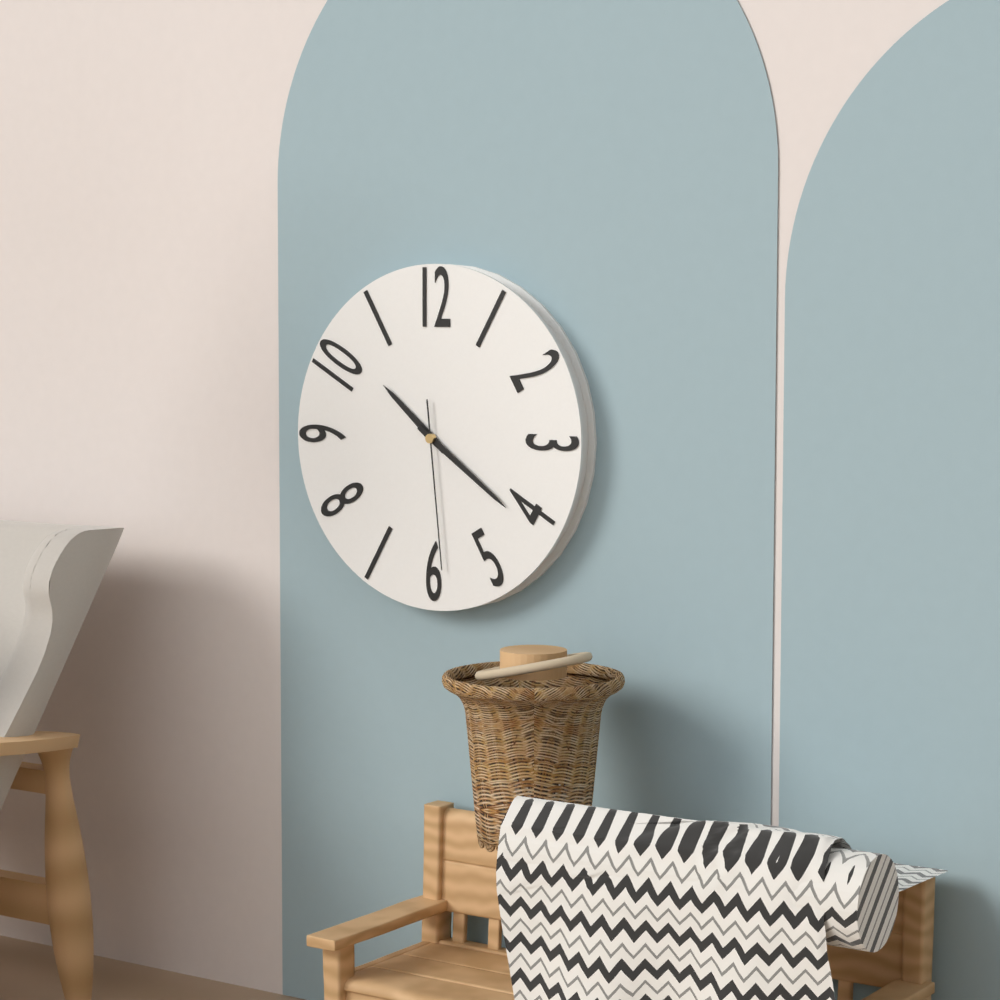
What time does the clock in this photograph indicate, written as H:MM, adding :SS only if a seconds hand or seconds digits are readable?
10:21:29
